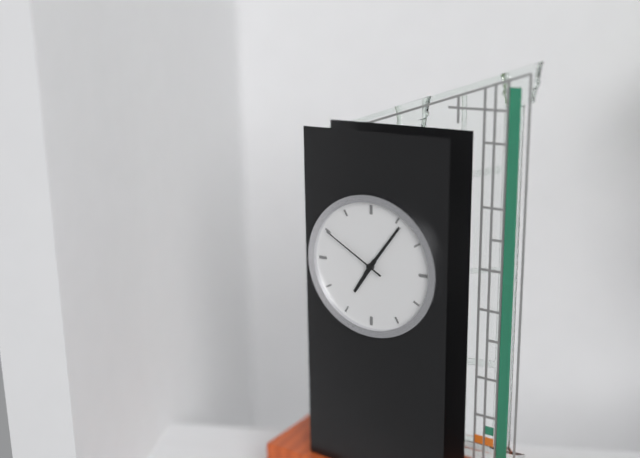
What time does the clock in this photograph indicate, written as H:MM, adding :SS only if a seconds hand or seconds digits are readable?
7:06:50
